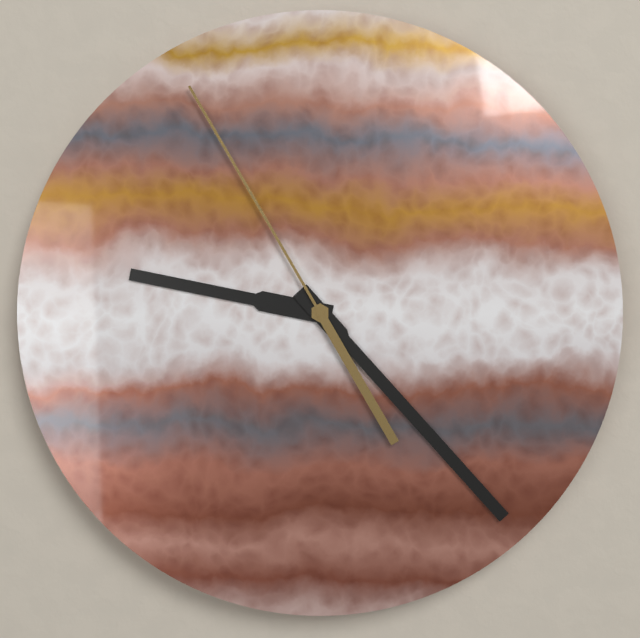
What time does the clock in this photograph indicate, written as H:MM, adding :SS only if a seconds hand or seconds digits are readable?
9:23:55
